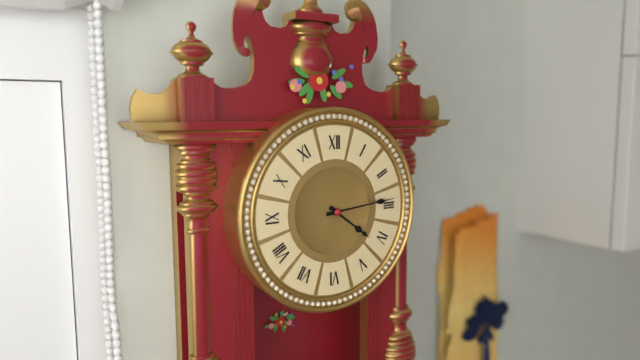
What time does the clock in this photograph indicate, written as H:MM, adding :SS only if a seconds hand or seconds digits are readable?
4:14
